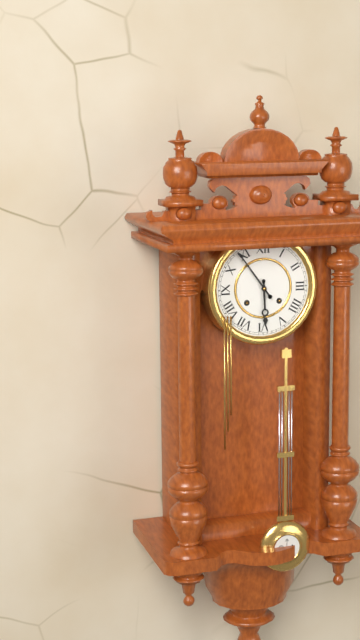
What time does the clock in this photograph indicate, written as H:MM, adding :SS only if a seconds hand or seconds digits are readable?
5:54
